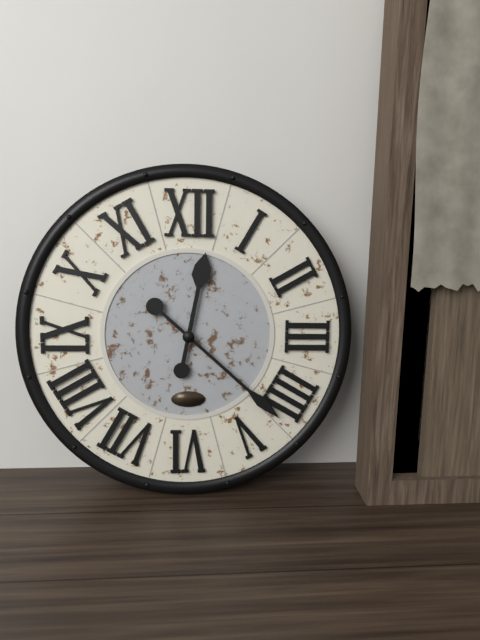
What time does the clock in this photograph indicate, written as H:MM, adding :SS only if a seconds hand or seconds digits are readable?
12:22
